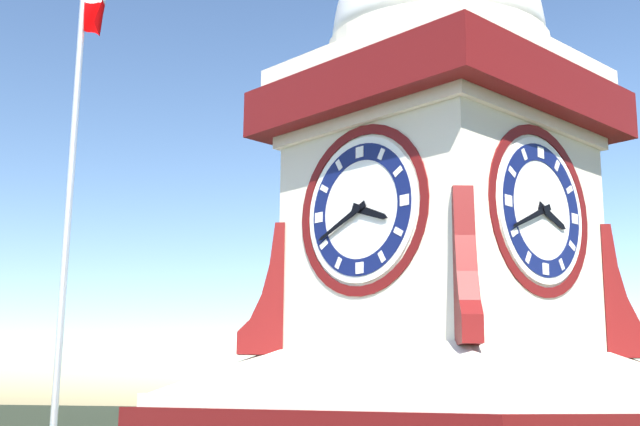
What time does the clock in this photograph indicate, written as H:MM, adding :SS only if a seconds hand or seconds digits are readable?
3:41
